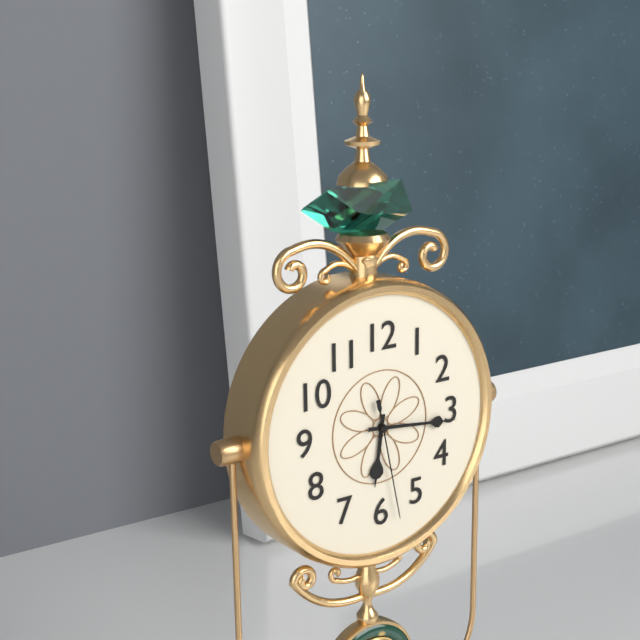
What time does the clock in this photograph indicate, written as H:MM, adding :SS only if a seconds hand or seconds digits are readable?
6:16:28
